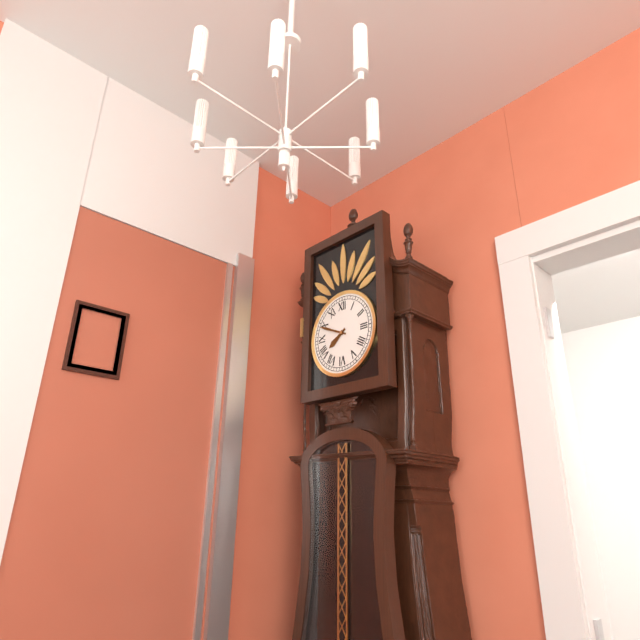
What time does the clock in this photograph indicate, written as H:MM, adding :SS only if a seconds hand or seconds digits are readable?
7:49
